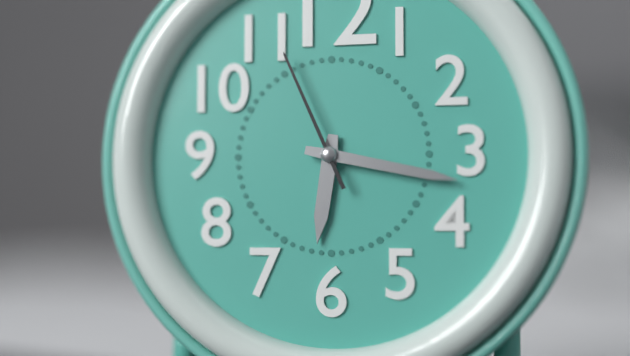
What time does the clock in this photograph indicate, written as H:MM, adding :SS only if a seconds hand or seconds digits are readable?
6:17:56
